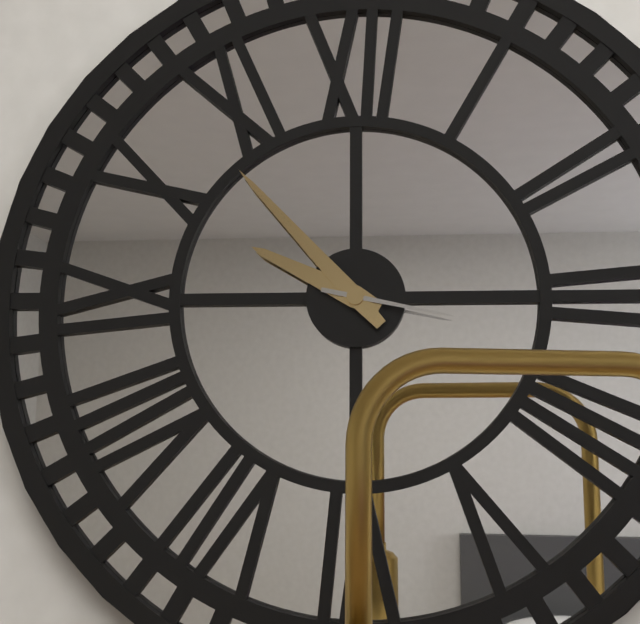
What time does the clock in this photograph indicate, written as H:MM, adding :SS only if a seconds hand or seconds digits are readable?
9:53:17
